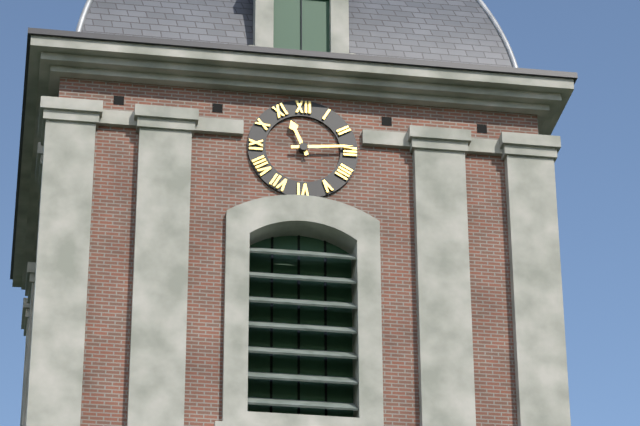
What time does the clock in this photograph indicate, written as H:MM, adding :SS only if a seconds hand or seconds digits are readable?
11:14
